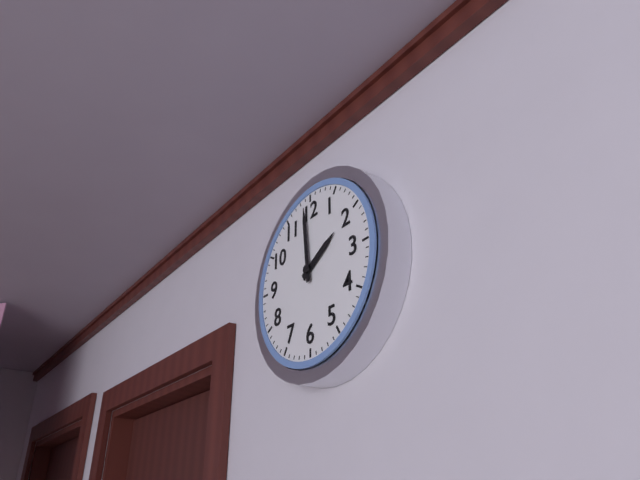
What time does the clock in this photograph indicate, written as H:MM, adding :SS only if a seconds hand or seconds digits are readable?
1:59
